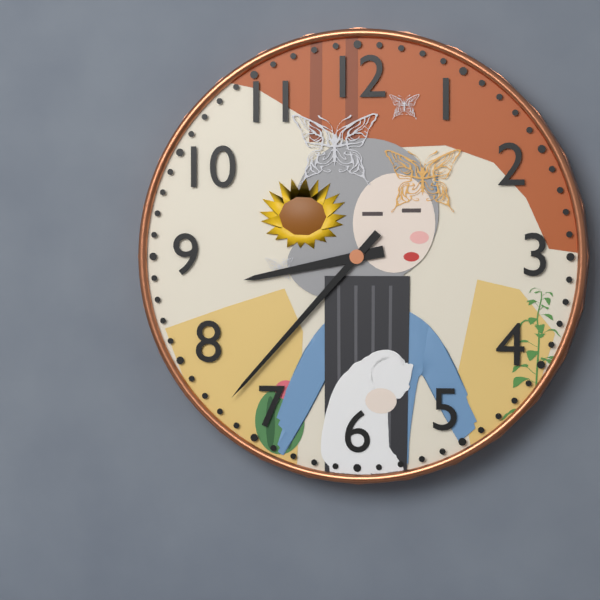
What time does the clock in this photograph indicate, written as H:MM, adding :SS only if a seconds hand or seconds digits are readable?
8:37
